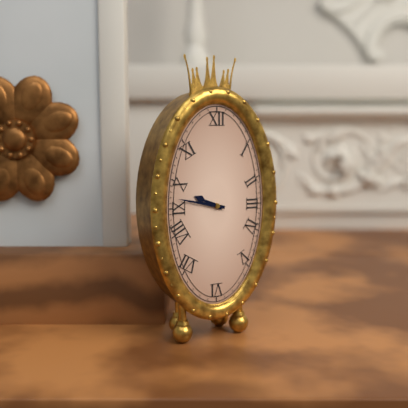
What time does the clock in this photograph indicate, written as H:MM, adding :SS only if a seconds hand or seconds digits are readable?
9:47
